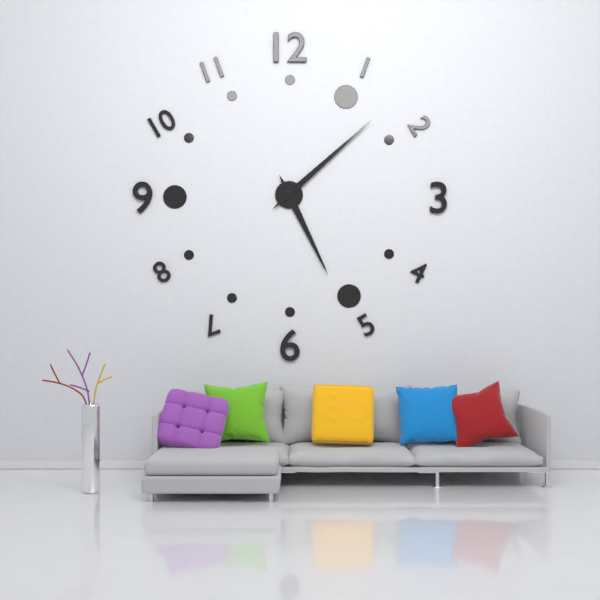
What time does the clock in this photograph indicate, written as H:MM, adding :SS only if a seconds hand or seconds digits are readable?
5:08
